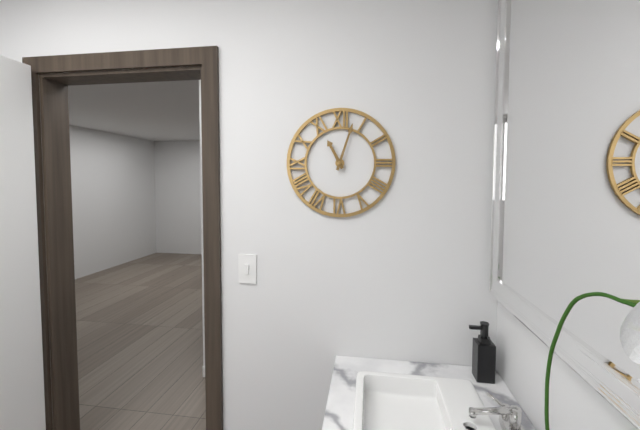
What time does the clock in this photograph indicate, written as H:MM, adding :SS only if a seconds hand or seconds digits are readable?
11:03
